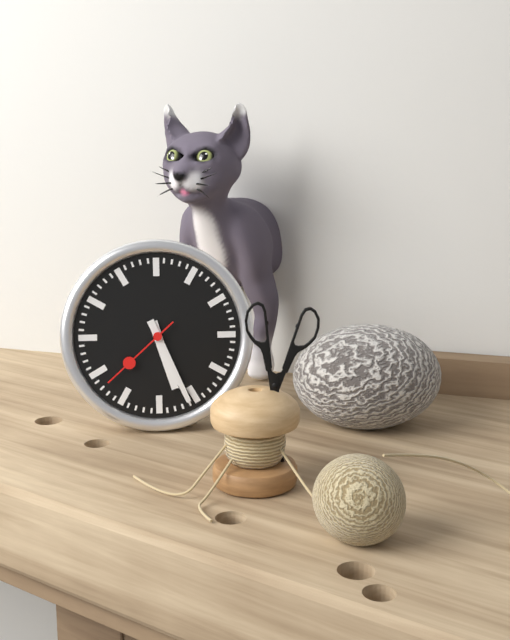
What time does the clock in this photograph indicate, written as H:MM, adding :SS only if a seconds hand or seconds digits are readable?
5:26:38
